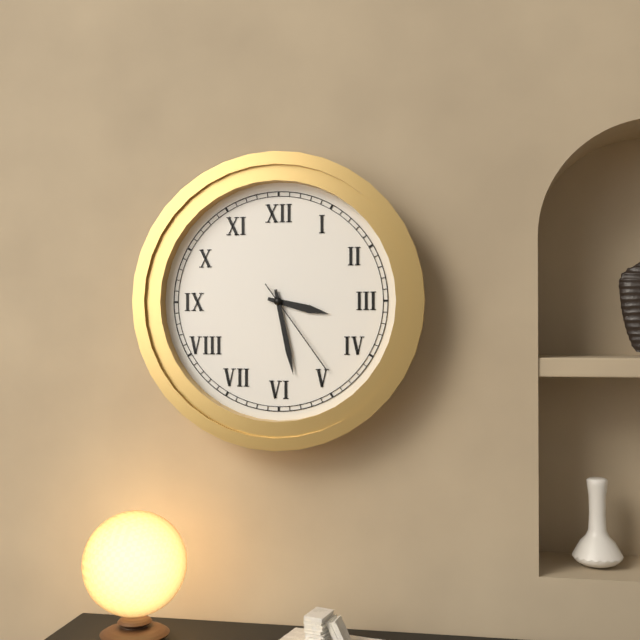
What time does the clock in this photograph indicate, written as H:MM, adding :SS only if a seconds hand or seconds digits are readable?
3:28:24
